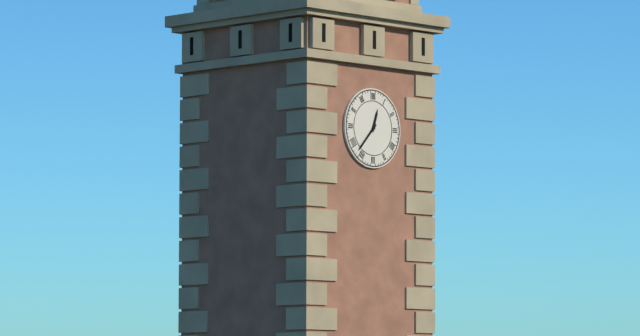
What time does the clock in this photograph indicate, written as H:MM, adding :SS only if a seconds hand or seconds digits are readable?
12:37
